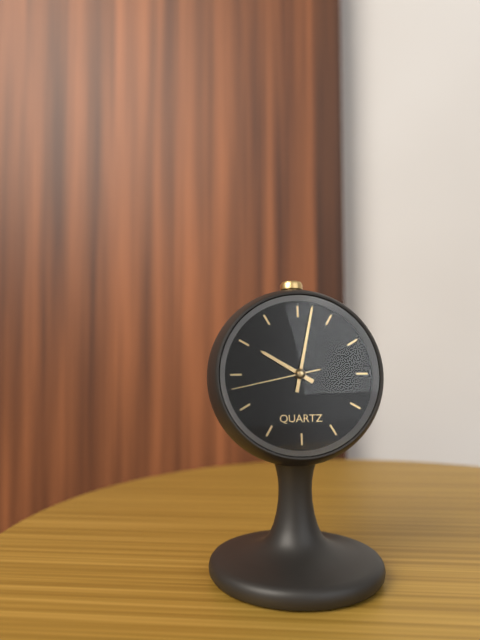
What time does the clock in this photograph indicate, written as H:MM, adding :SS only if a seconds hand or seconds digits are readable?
10:02:43
